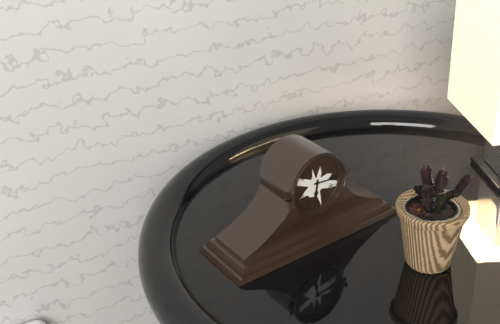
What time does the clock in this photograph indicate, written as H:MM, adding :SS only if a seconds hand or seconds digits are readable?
6:16
